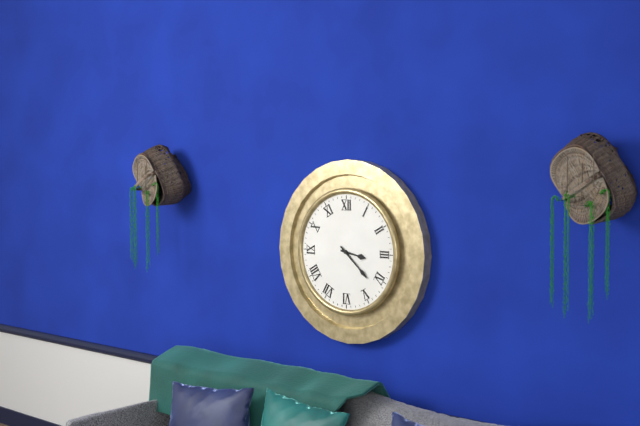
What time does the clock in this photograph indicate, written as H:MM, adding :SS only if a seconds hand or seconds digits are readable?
3:22
